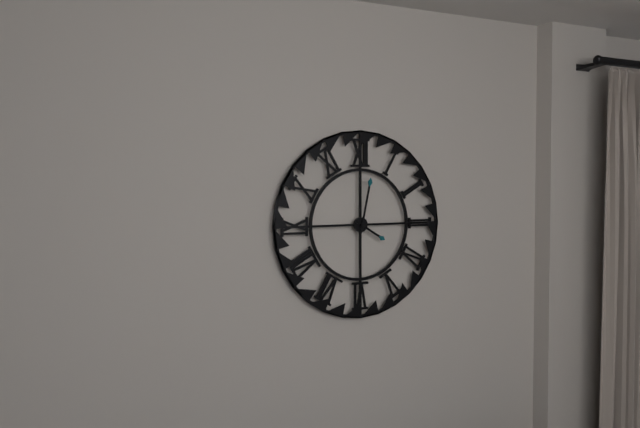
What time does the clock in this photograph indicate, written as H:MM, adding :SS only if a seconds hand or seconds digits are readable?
4:02
